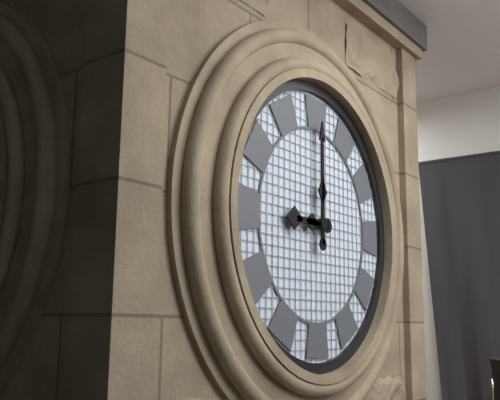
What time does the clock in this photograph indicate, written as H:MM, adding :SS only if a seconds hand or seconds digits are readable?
9:00
